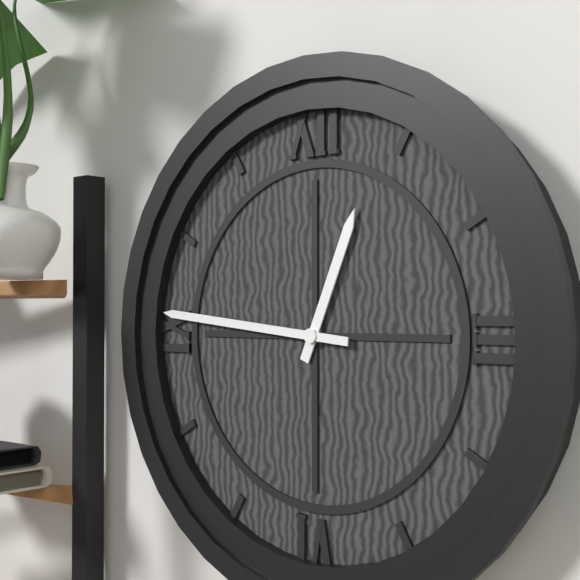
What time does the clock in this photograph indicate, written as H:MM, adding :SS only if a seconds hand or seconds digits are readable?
12:46
